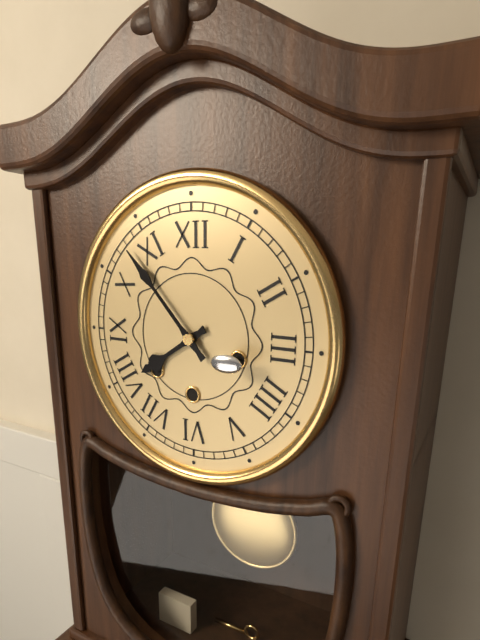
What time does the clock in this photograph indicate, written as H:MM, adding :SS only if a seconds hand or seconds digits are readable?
7:53
